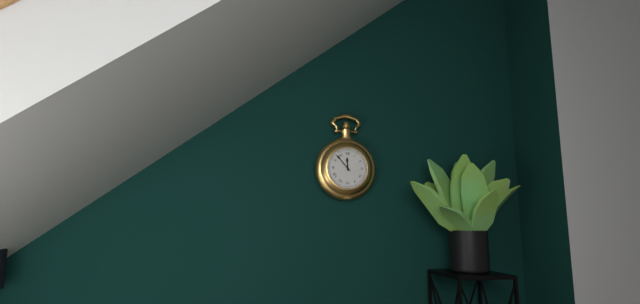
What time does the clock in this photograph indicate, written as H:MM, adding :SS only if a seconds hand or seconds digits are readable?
11:53
